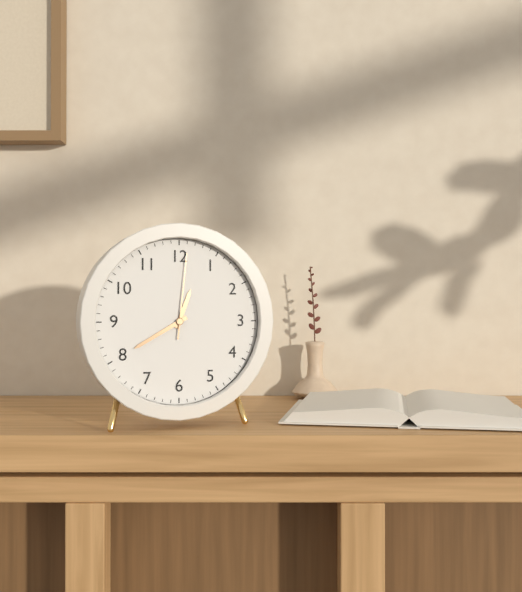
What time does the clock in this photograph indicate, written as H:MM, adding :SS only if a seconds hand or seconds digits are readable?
12:40:01
